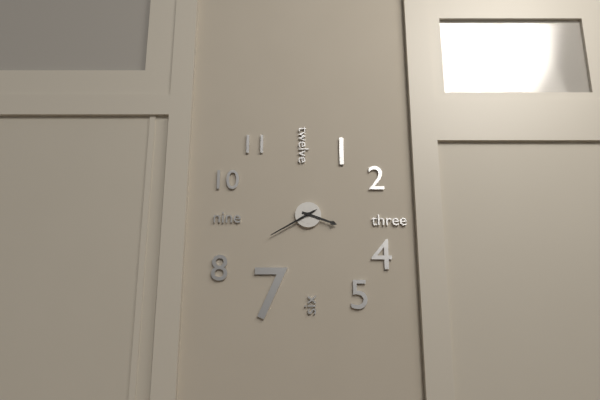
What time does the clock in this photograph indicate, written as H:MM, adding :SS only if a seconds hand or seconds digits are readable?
3:40
